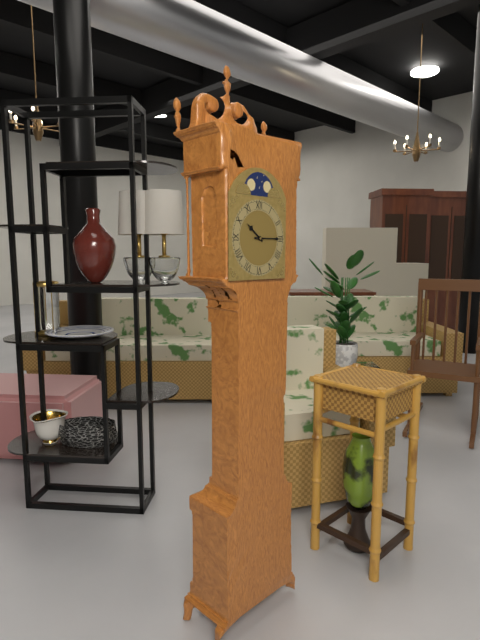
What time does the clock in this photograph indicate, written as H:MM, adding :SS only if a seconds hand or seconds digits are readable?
10:15
